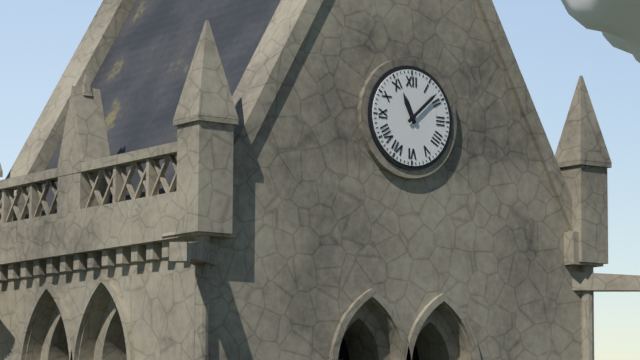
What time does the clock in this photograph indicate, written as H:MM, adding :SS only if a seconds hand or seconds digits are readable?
11:08
